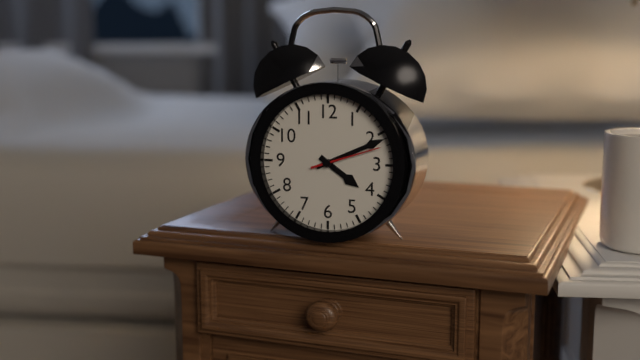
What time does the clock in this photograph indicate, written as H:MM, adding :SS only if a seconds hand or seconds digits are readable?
4:11:12
